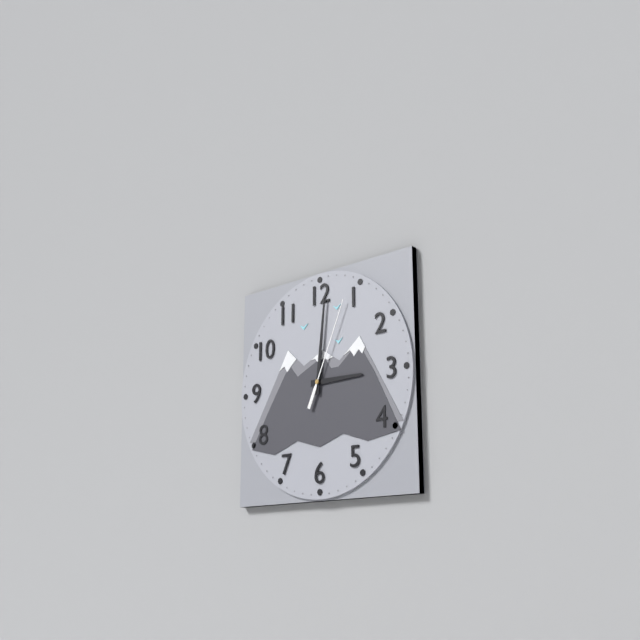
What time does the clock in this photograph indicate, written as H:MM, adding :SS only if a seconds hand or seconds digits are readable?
3:01:04
